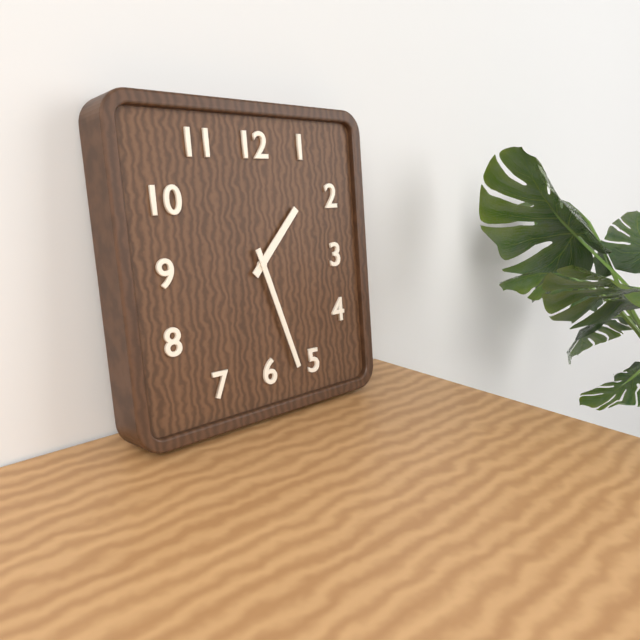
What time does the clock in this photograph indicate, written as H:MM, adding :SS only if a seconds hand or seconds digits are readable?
1:27
